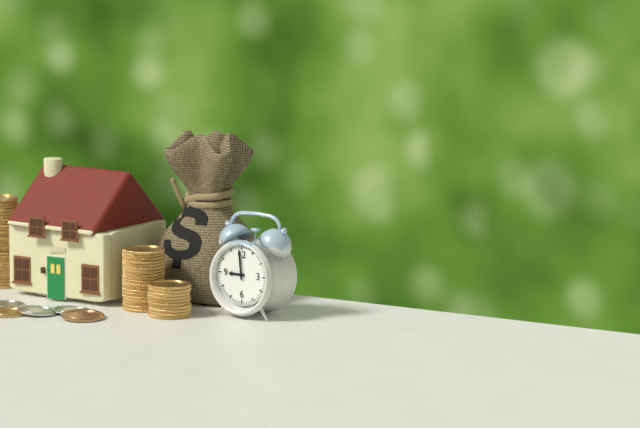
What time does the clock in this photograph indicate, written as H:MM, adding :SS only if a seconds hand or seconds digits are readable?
8:59
